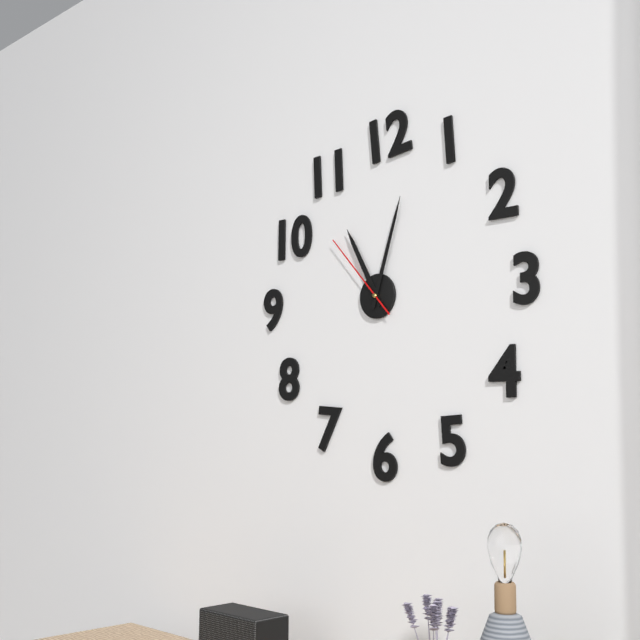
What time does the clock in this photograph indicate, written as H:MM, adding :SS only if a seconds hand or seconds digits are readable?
11:03:53
